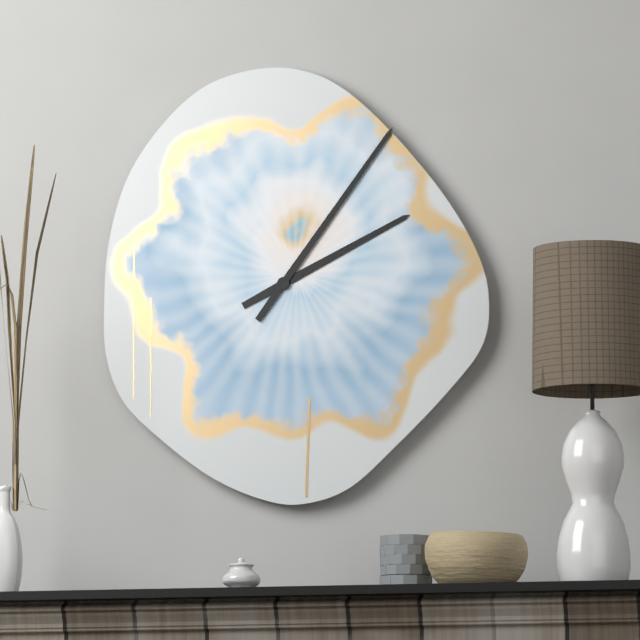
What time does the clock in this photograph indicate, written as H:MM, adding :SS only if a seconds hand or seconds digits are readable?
2:06
